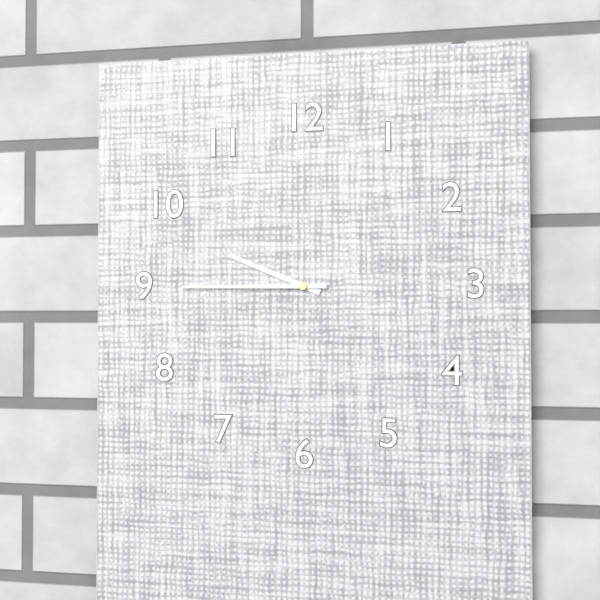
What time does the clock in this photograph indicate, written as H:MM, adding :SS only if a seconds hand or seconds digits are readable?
9:45
